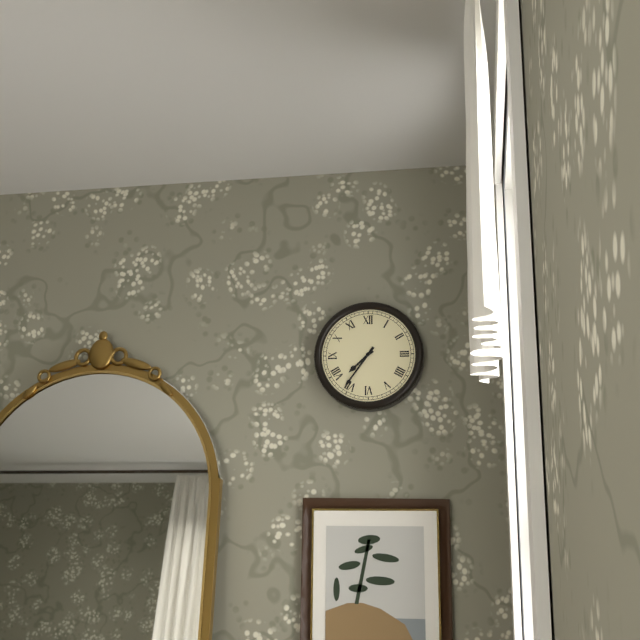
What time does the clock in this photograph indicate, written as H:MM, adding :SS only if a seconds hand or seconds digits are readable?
7:36
